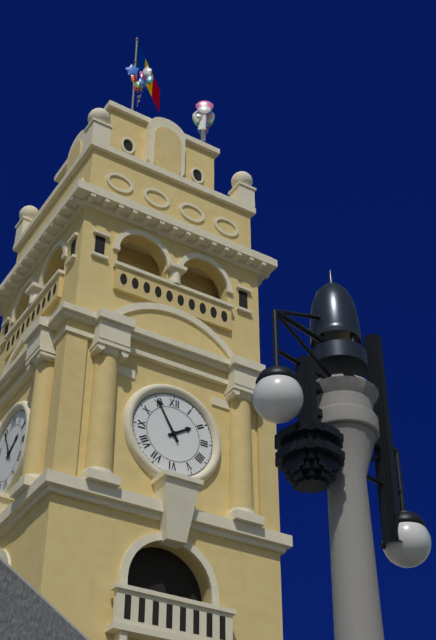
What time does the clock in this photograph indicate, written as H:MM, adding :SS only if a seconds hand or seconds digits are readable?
1:55
